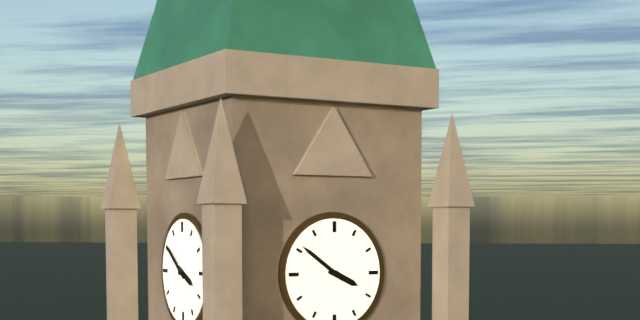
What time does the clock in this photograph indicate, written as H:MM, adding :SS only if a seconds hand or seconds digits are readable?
3:51
